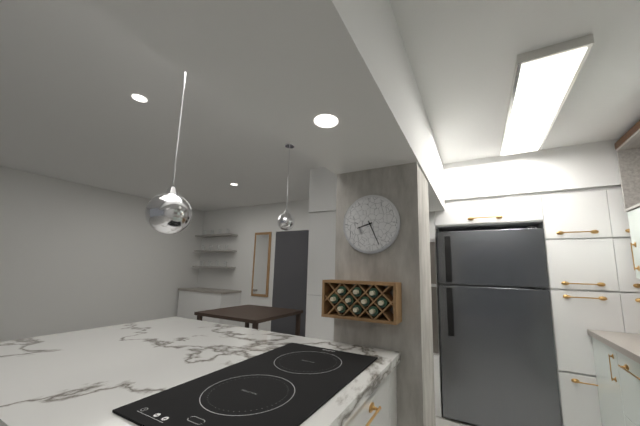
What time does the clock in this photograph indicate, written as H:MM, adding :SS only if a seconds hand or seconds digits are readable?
8:26
